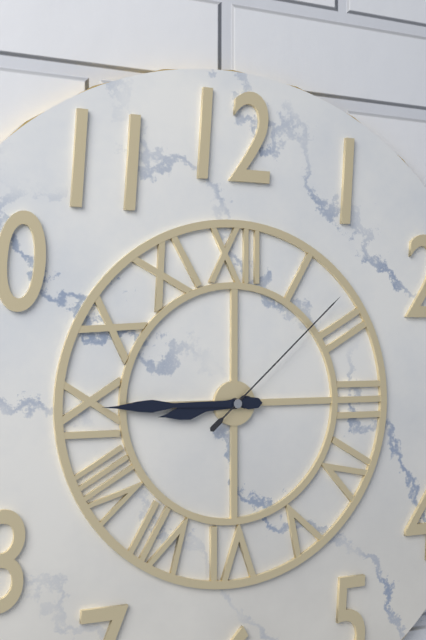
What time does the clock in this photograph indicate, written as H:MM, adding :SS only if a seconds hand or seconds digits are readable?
8:45:08
